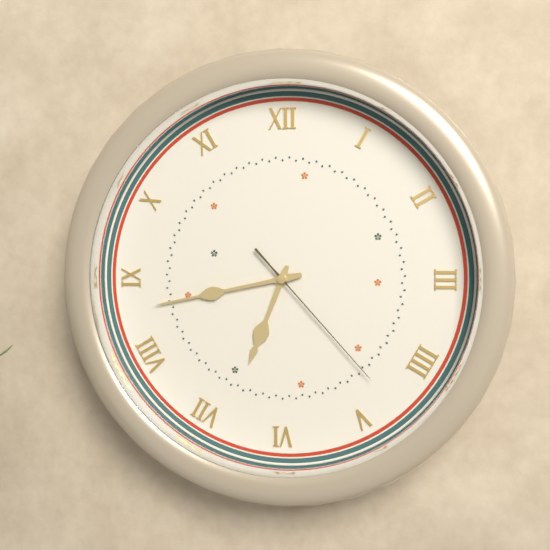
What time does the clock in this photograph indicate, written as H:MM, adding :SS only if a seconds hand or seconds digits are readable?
6:43:23
